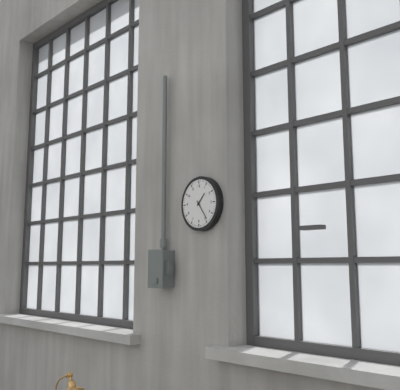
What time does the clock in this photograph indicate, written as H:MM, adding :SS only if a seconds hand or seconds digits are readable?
1:24
